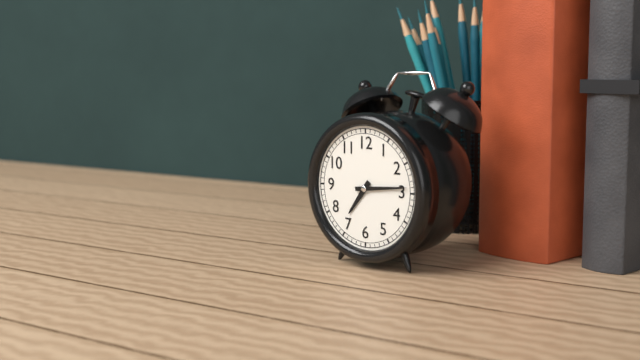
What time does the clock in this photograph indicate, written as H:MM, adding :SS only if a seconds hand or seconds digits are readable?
7:14
